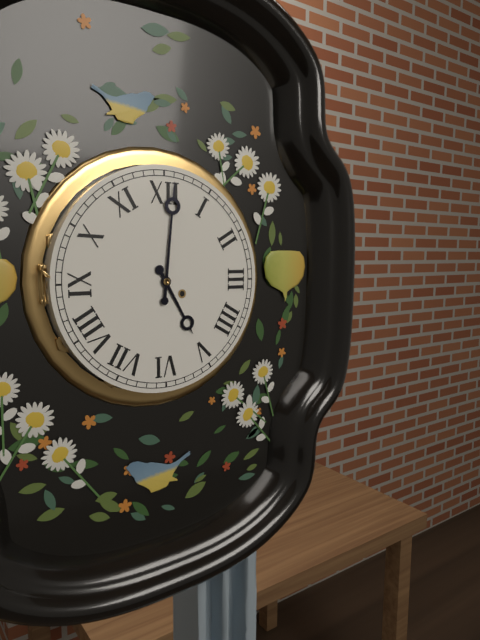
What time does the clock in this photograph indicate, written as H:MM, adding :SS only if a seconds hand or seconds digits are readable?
5:01
